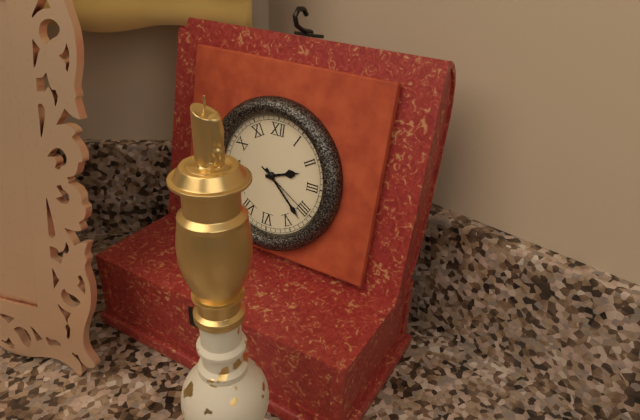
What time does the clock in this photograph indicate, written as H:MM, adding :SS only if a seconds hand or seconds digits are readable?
2:22:20
